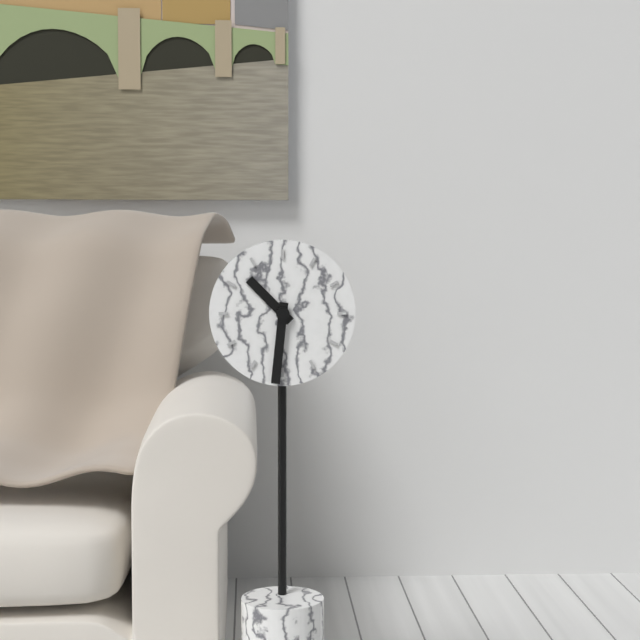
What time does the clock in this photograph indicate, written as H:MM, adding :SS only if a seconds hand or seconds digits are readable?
10:31
